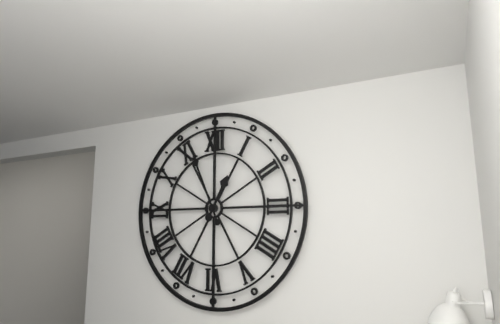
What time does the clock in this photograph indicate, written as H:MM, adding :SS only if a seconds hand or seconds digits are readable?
12:56
